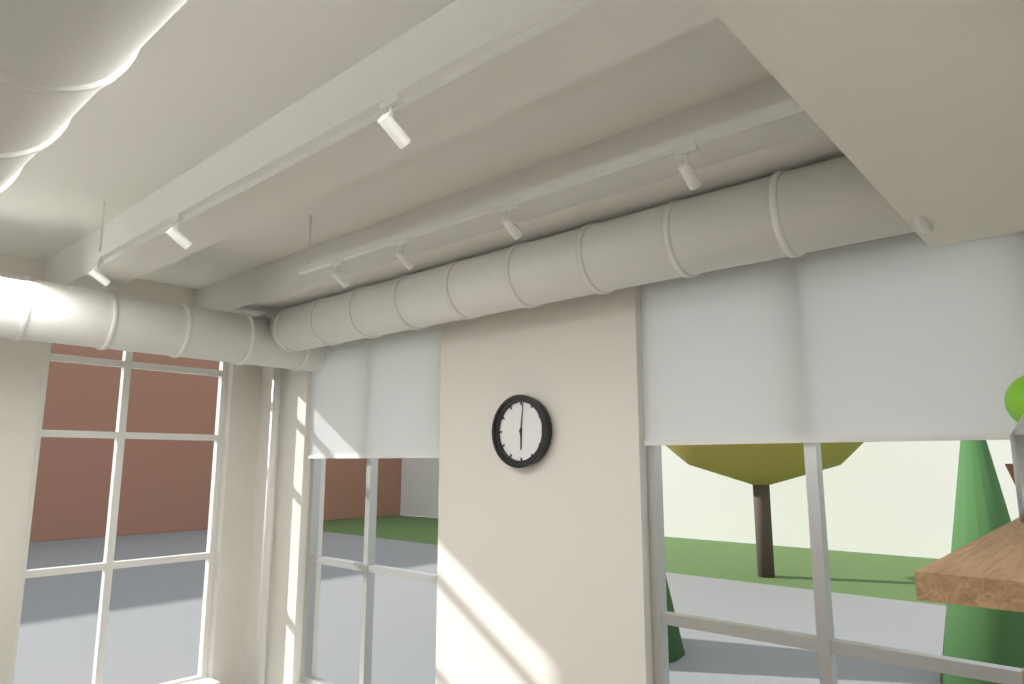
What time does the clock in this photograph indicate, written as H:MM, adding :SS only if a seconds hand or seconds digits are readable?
6:01
